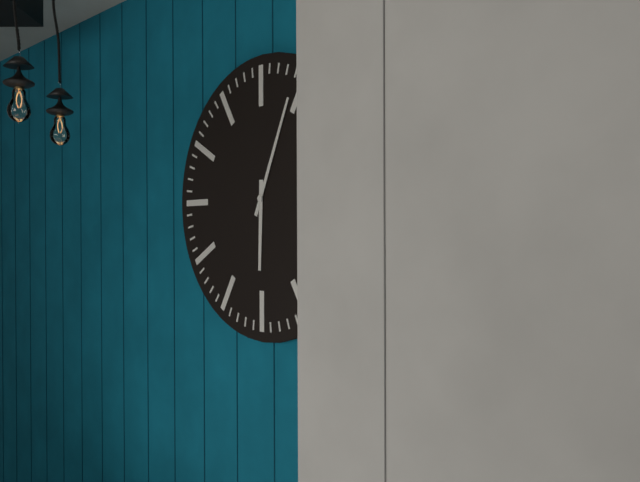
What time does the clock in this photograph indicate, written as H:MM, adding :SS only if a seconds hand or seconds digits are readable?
6:04
